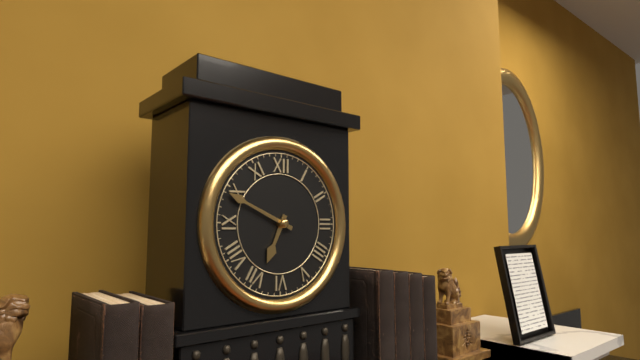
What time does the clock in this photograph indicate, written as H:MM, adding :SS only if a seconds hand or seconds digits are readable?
6:49
